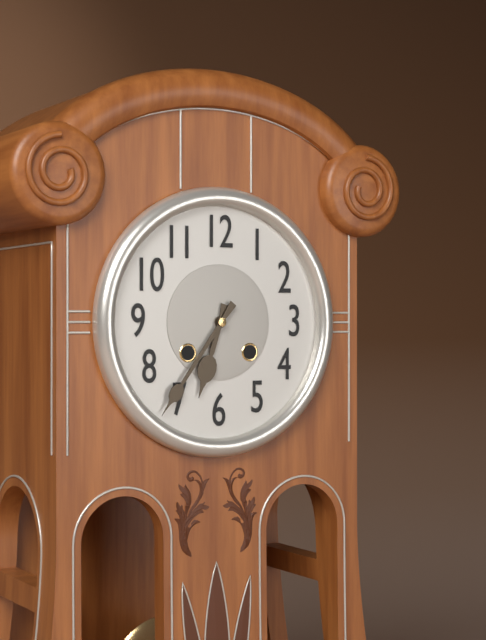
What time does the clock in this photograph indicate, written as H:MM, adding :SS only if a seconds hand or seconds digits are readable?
6:36
